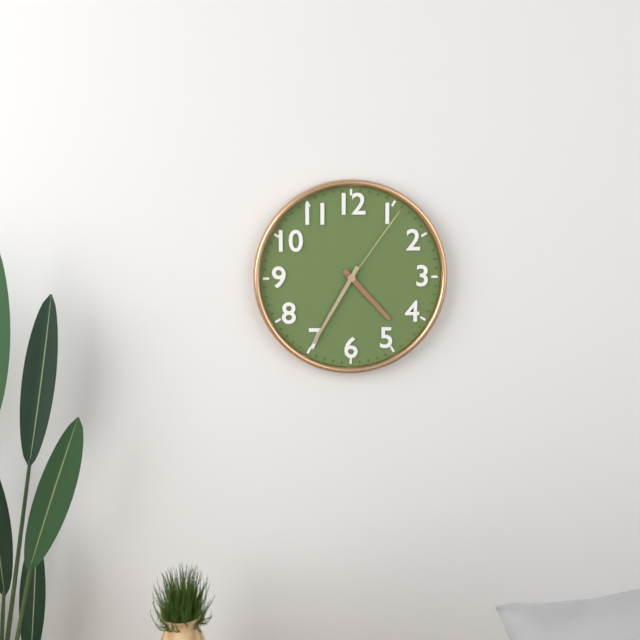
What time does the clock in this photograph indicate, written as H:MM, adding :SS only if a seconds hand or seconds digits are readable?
4:35:06
